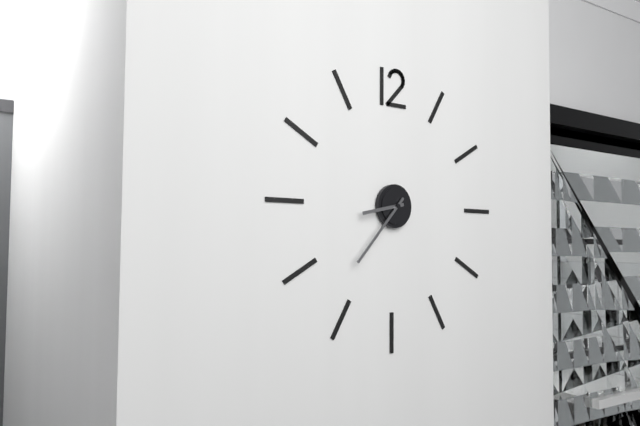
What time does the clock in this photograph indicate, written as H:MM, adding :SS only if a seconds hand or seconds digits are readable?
8:37
